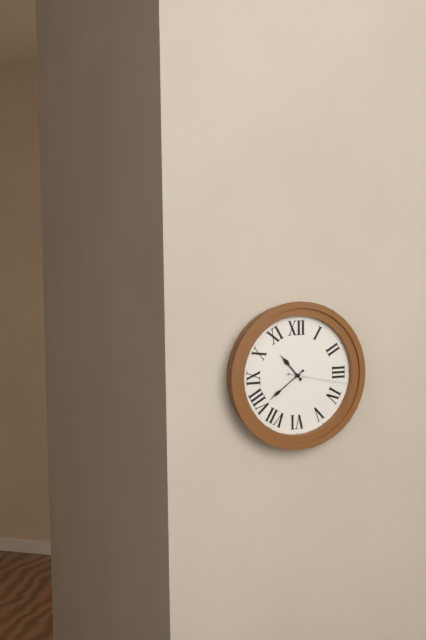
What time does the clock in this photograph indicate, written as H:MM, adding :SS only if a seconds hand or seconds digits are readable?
10:39:17
